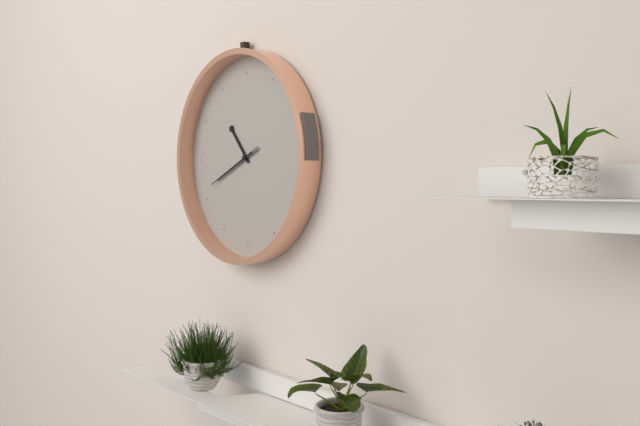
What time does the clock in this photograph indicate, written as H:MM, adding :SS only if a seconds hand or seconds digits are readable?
10:41:41
